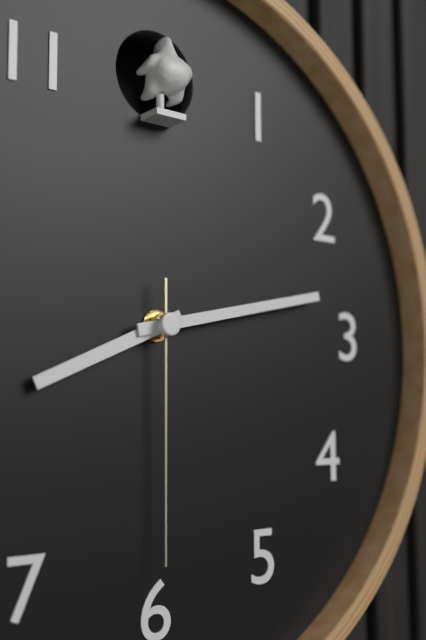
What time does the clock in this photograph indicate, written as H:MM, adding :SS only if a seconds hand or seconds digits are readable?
8:13:30
